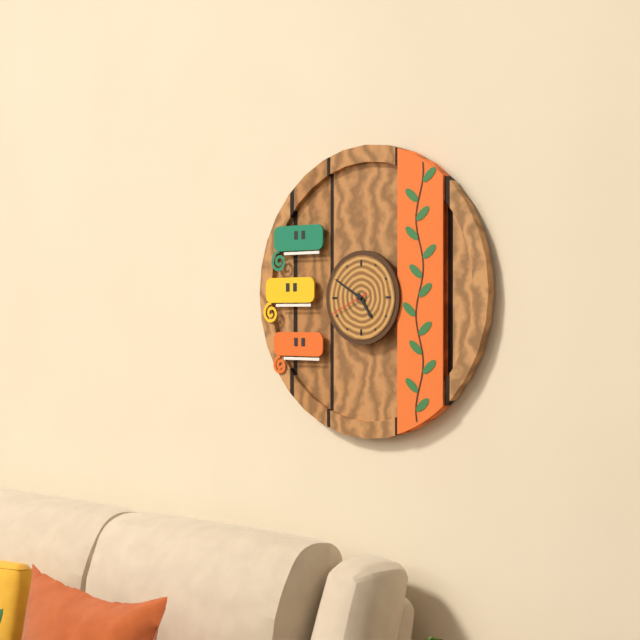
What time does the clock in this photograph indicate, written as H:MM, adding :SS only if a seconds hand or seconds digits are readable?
4:50
